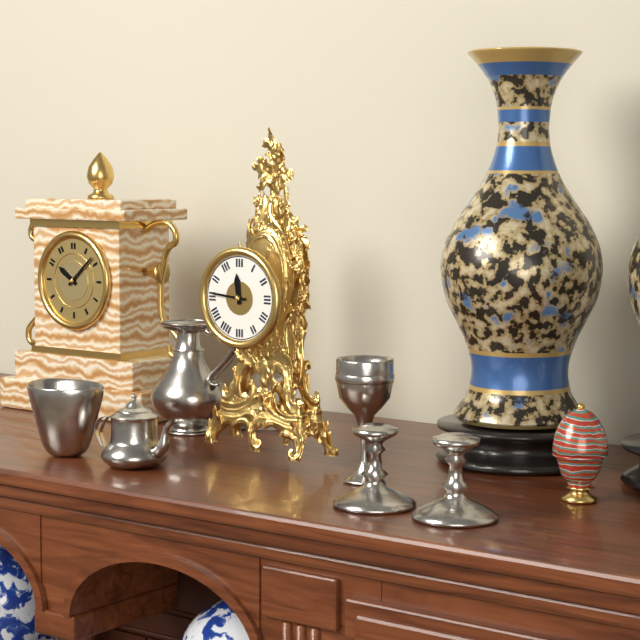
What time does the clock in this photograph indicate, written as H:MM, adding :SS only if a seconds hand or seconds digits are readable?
11:46
